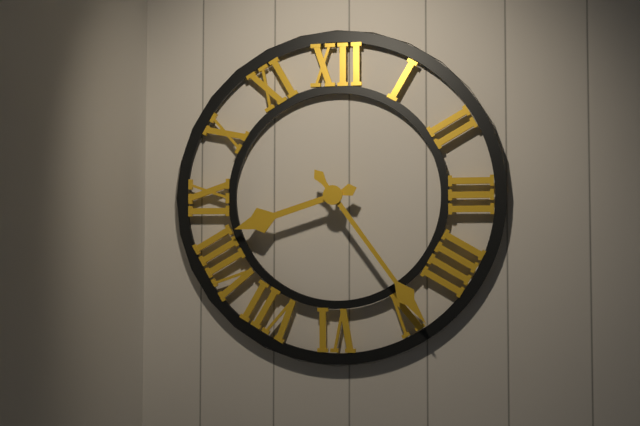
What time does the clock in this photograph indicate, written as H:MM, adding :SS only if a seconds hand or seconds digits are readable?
8:24
